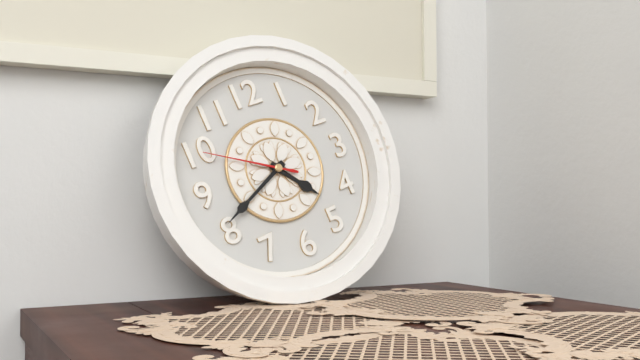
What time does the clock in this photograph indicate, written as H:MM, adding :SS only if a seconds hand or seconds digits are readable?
4:41:50
